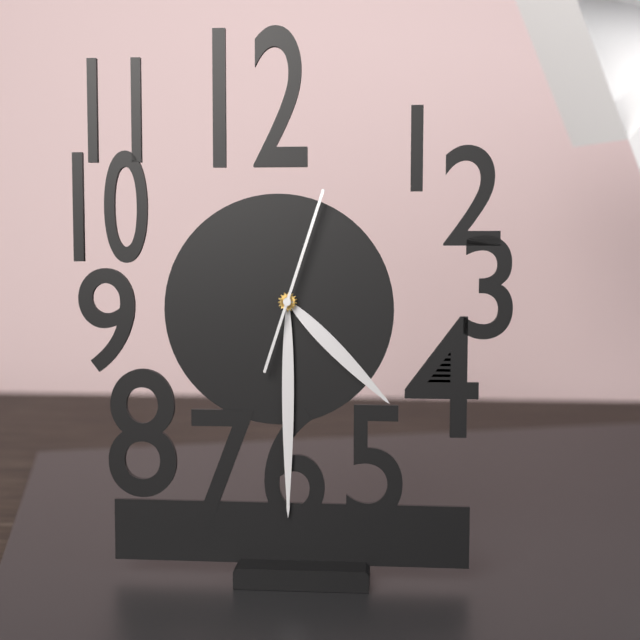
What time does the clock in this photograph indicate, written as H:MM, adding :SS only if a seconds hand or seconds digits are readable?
4:30:03
